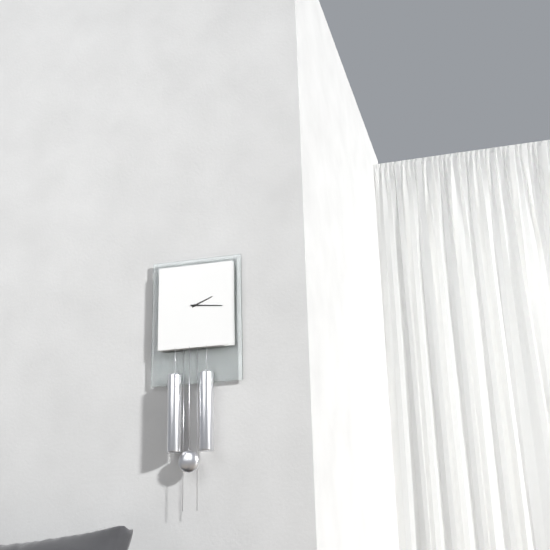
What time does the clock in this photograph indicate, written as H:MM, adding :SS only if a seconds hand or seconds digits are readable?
2:16
